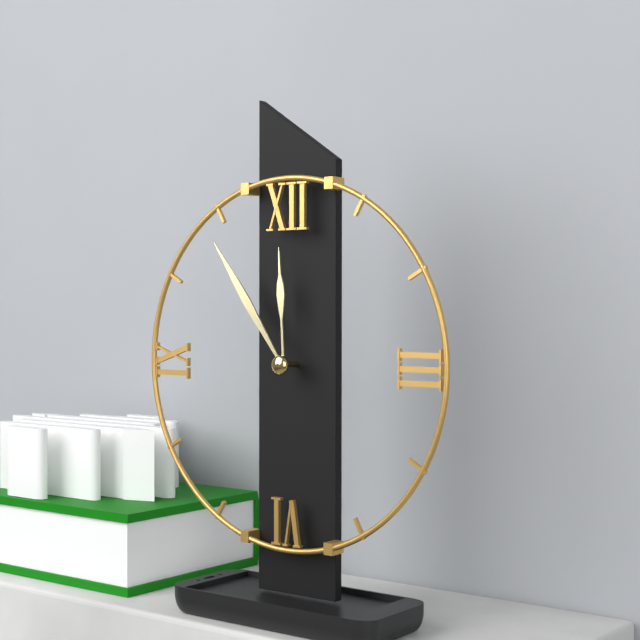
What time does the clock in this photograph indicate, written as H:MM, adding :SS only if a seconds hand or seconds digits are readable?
11:54
